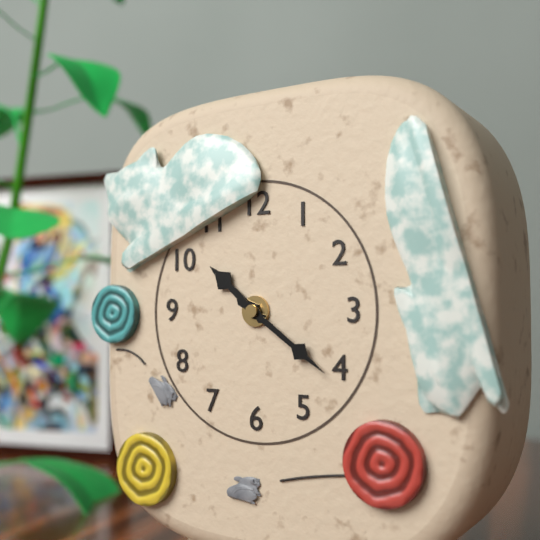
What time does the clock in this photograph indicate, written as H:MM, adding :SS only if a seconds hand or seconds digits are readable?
10:21
